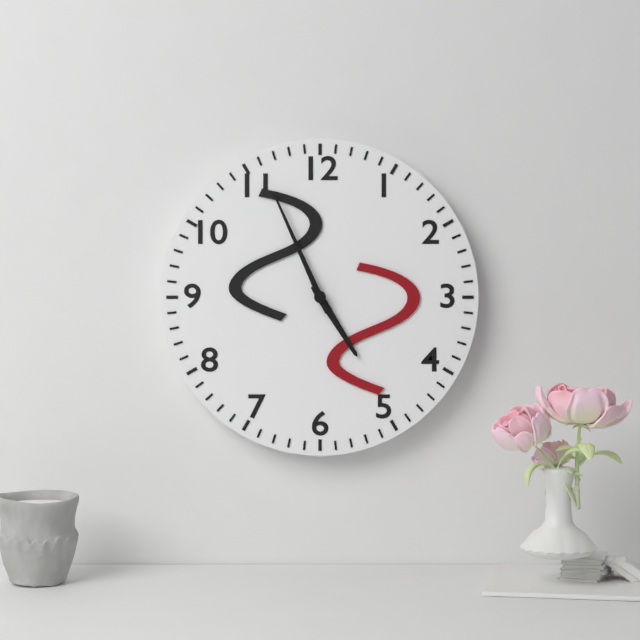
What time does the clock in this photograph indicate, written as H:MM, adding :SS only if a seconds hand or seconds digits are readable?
4:56
